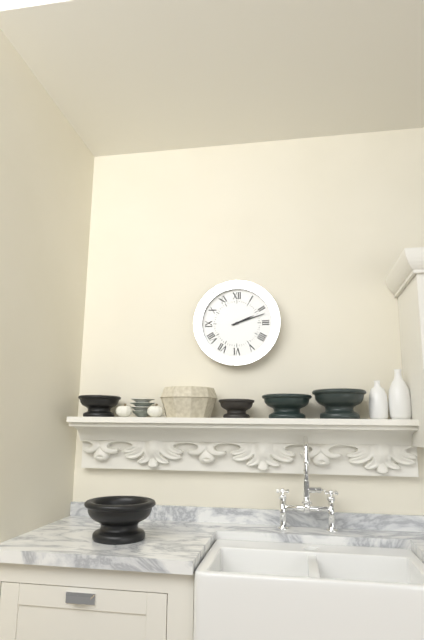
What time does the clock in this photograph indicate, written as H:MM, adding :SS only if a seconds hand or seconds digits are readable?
2:12
